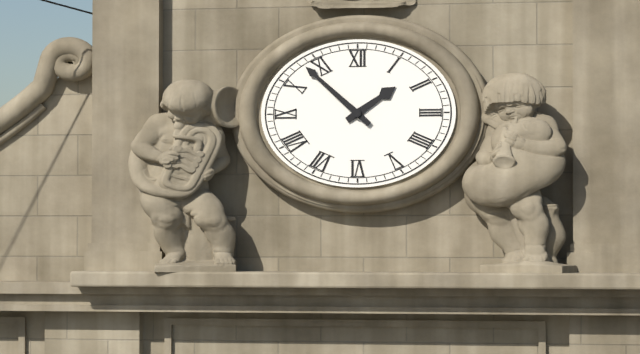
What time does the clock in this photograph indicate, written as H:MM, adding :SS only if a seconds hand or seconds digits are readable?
1:52
